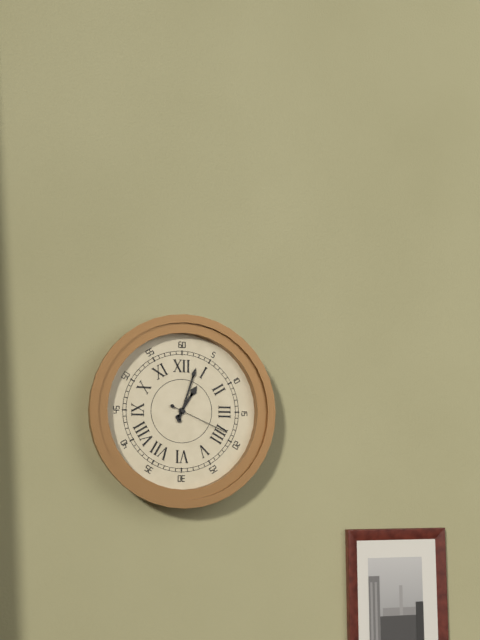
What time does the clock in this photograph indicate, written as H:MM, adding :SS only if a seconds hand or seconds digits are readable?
1:03:19
